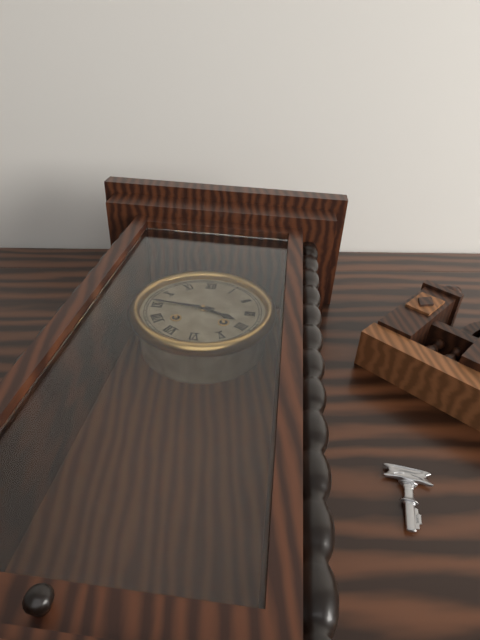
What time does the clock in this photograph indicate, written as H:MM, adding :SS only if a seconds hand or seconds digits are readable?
3:46
